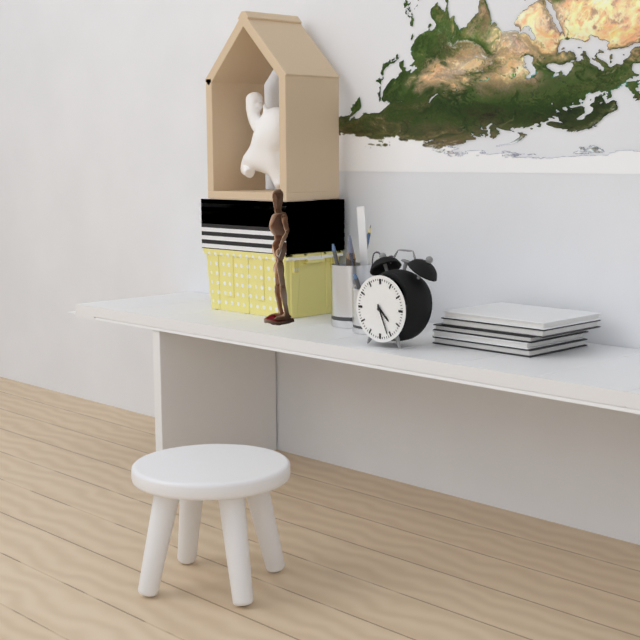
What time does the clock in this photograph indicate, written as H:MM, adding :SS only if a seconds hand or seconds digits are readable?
4:26
